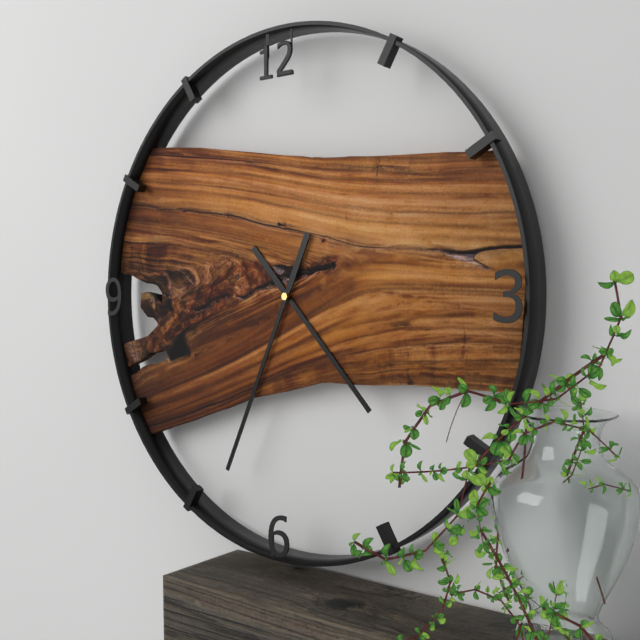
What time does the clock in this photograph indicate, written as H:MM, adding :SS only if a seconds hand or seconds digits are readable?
4:34
